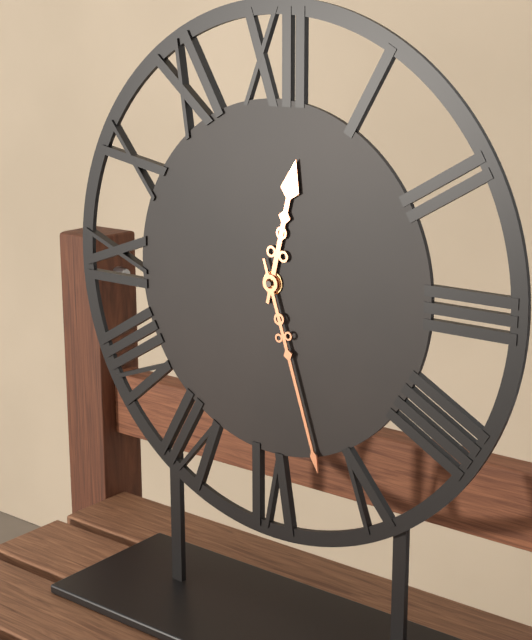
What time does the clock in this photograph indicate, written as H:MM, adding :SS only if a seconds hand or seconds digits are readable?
12:27
